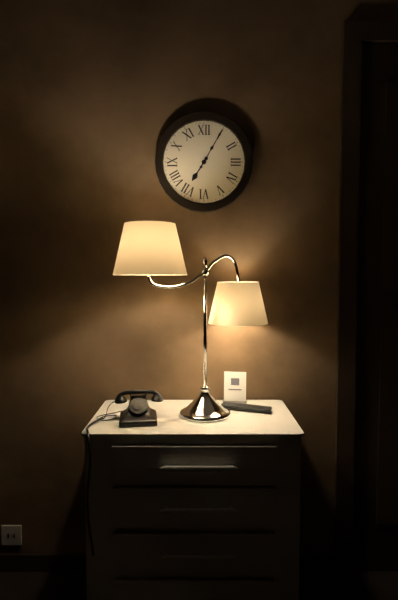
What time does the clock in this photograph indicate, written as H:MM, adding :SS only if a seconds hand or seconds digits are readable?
7:05
